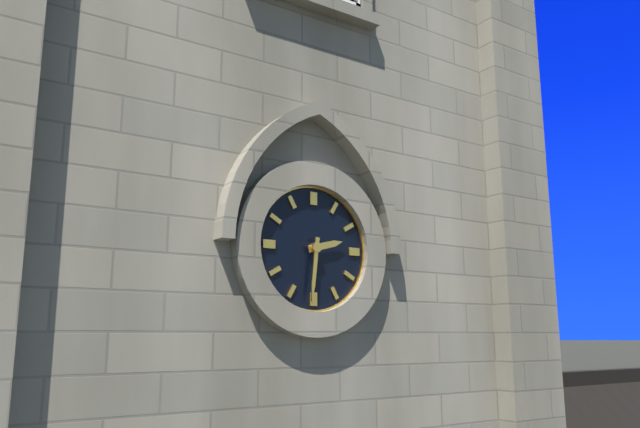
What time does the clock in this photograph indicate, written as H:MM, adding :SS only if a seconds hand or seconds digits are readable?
2:31
